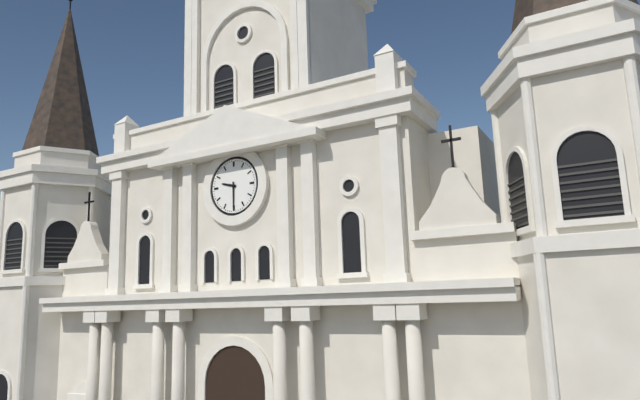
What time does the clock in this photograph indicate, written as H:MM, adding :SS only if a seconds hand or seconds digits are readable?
9:30
